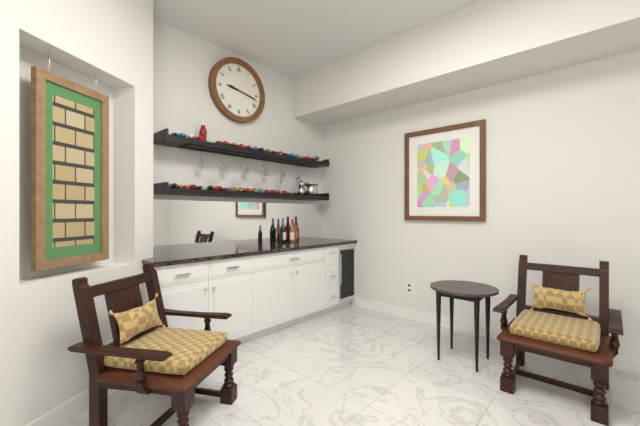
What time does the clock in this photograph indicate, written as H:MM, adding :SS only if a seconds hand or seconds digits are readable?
9:17
